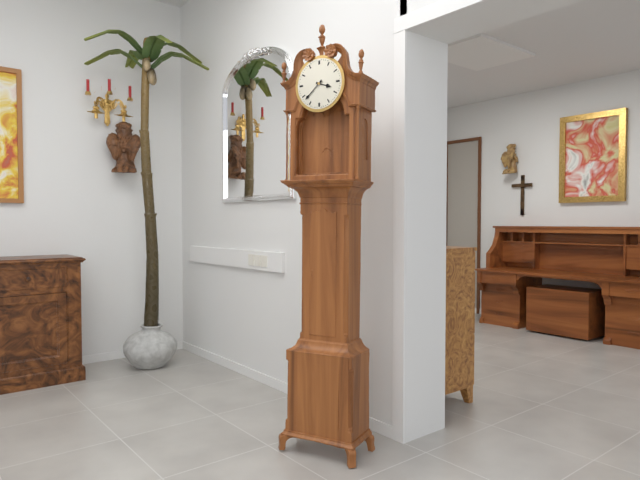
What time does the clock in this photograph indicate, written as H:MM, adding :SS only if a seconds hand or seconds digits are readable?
3:38
